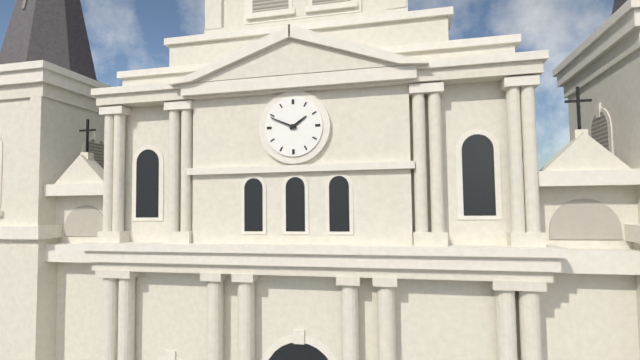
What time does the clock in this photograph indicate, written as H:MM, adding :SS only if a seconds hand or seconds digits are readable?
1:49
